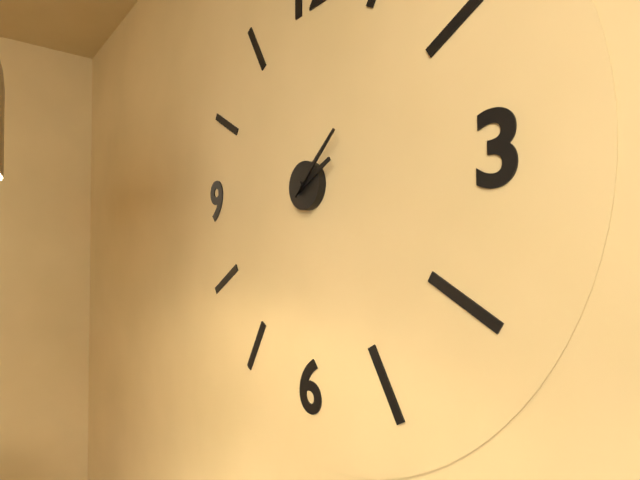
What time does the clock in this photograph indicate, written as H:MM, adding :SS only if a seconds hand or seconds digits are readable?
2:08
